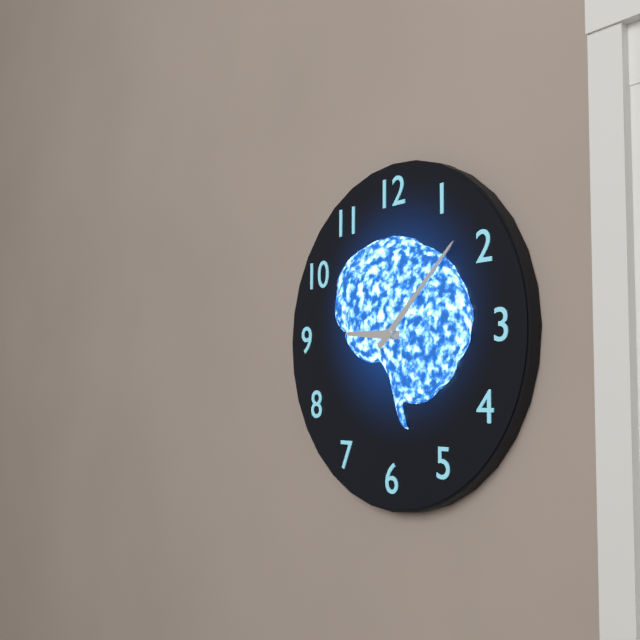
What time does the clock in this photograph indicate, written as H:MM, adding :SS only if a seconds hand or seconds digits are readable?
9:08
